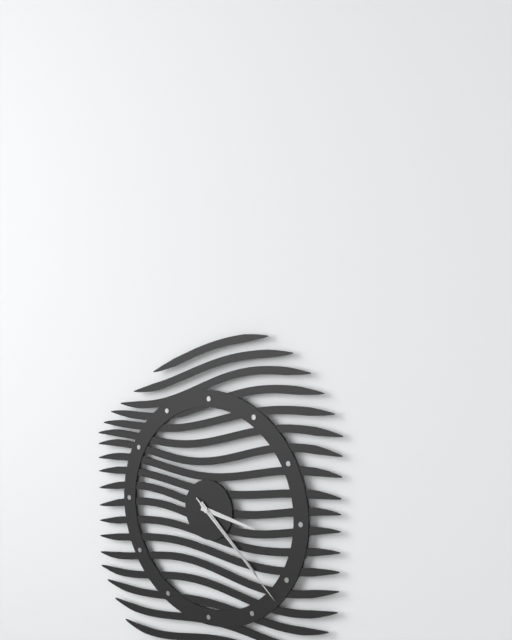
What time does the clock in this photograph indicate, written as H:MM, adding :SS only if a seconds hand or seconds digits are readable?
3:22:22
